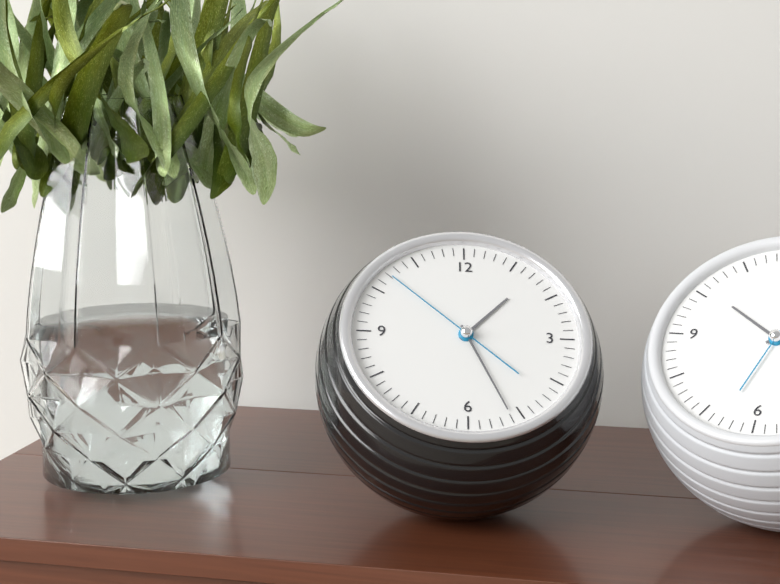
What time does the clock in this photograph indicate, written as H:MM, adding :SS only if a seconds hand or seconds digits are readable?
1:26:52
